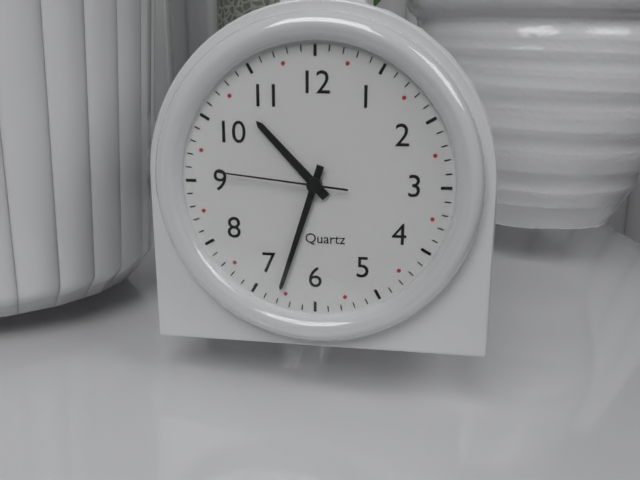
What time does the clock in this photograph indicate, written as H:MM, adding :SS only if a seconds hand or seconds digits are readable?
10:33:46
